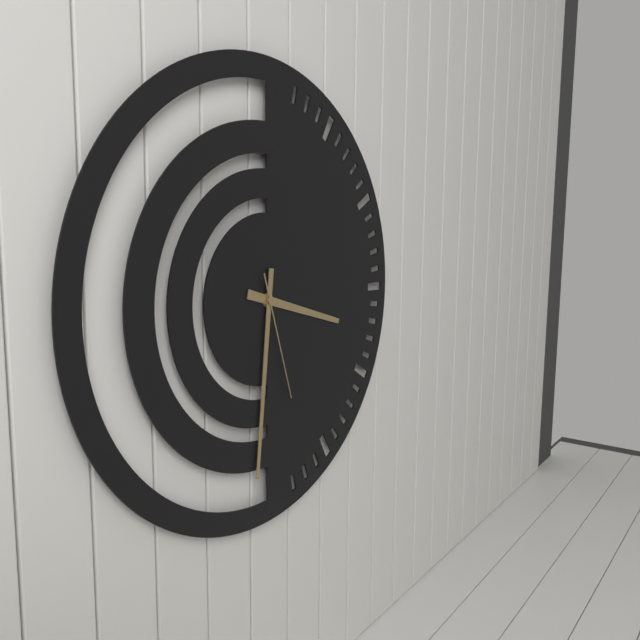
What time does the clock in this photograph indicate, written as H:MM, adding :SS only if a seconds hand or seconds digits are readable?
3:31:27
